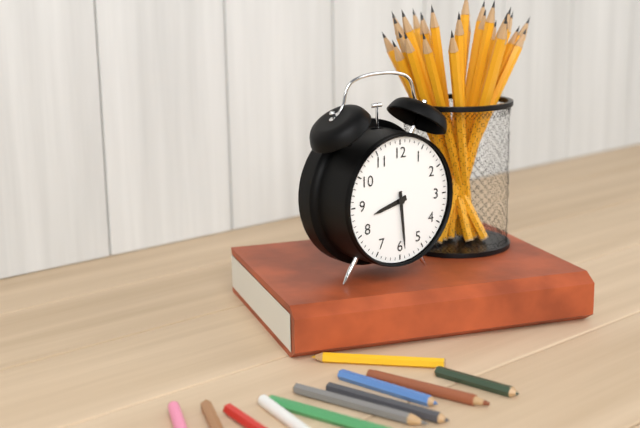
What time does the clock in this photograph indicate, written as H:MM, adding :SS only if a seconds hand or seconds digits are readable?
8:29
